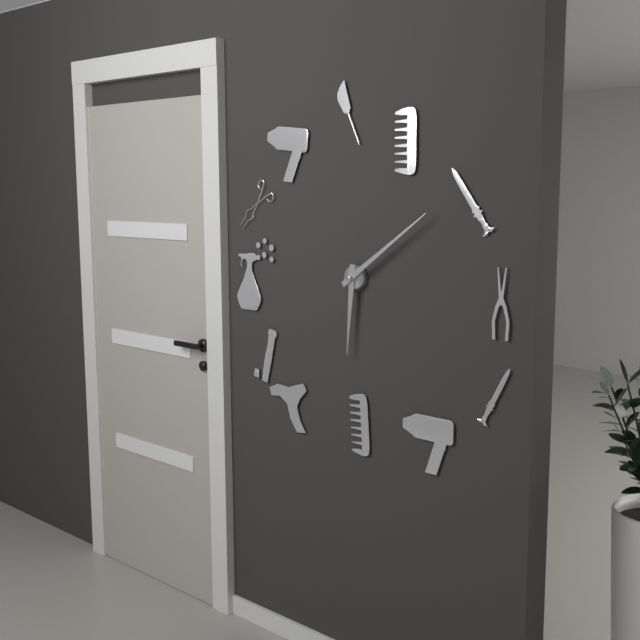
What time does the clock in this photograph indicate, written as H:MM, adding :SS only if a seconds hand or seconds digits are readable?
6:09
